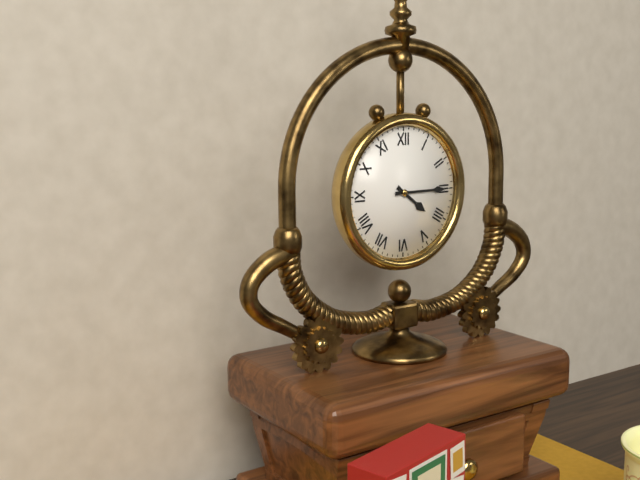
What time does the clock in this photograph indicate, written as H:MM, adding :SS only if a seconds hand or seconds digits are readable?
4:15
